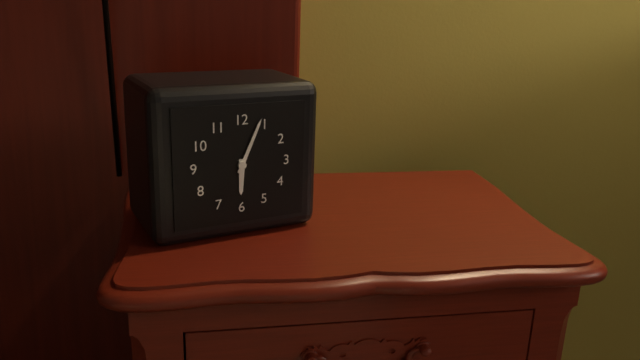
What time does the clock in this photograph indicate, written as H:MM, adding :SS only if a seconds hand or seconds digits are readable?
6:04
